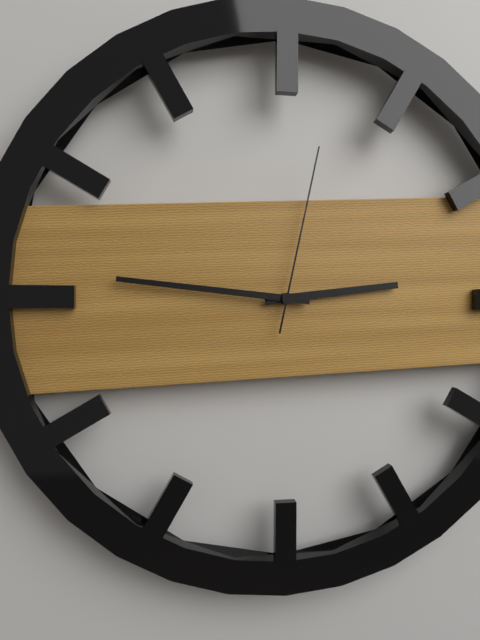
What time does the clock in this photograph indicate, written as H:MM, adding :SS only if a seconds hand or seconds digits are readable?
2:46:02
